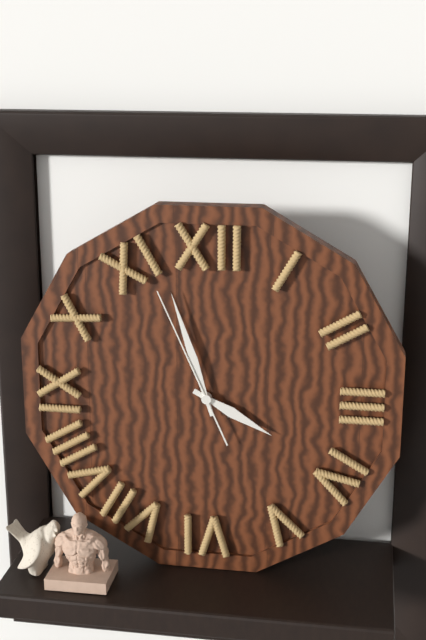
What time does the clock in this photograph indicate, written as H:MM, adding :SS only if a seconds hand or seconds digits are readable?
3:57:56
